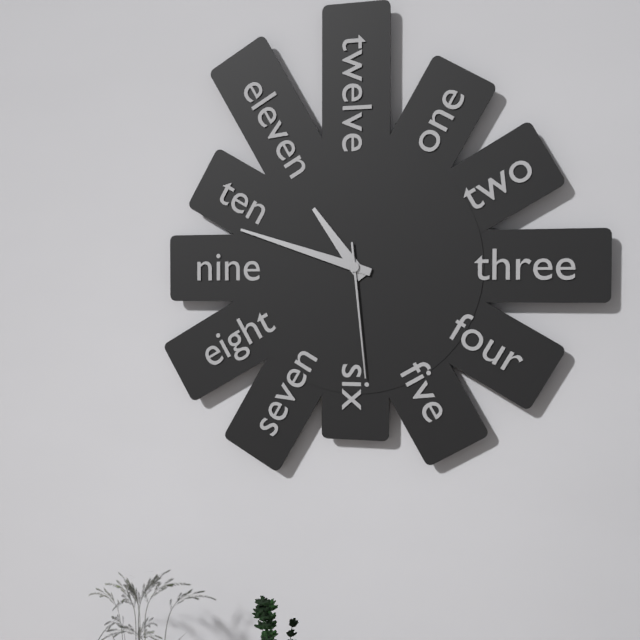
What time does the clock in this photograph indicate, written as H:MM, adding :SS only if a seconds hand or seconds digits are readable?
10:48:29
